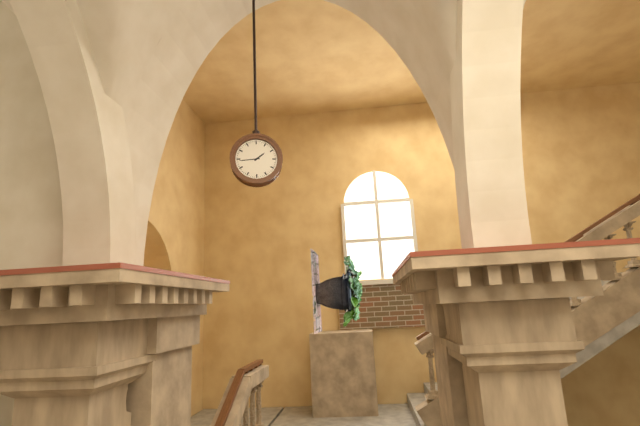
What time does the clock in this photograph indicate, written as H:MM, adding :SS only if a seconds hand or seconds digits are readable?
1:44
